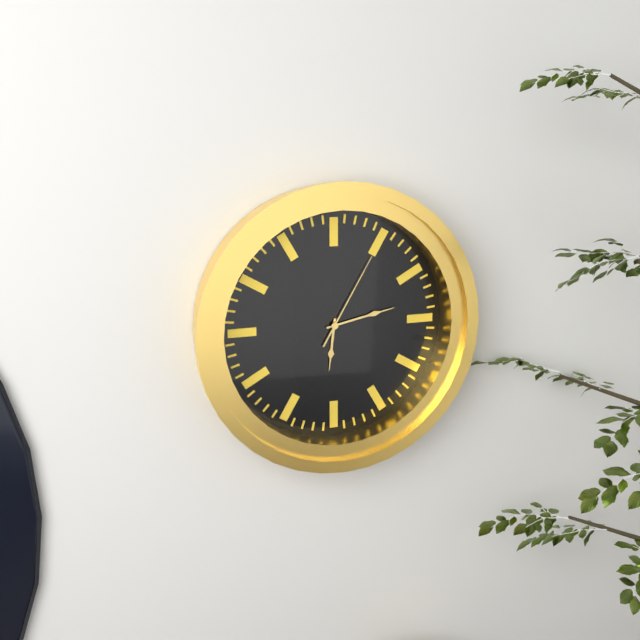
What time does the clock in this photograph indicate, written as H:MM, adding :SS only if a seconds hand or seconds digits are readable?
6:13:05
